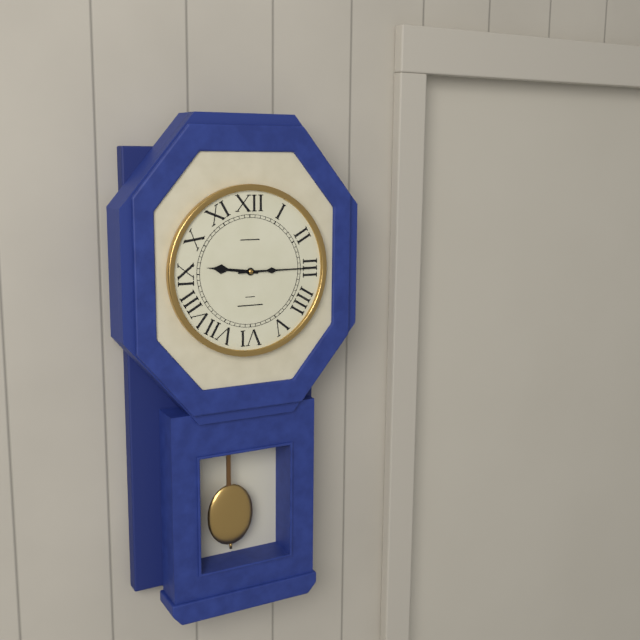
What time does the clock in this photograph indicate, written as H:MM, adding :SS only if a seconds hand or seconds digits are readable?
9:15
